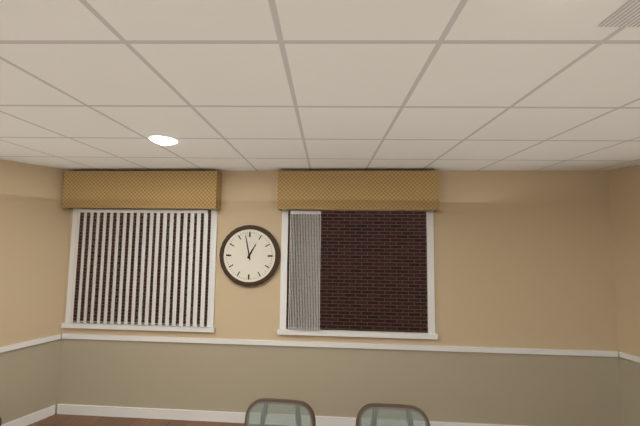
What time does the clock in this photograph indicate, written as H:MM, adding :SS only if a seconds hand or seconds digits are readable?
12:58
